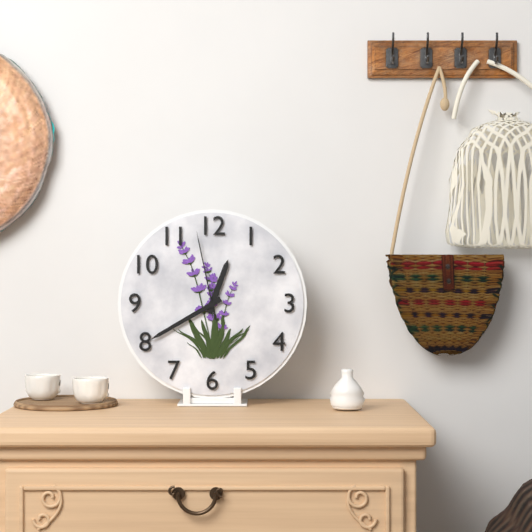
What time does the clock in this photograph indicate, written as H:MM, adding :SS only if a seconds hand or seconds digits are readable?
12:40:58
